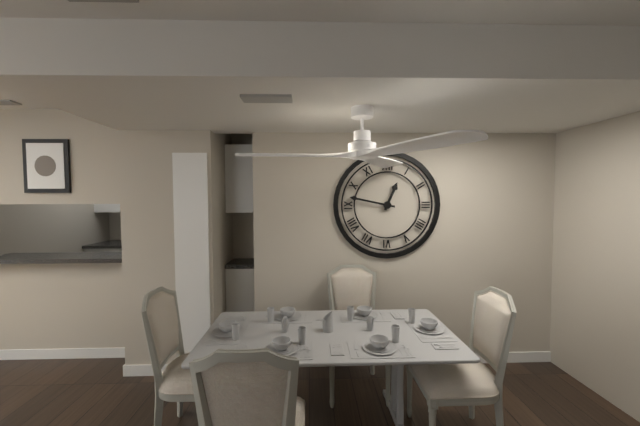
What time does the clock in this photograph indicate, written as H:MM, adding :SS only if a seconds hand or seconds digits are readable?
12:47
